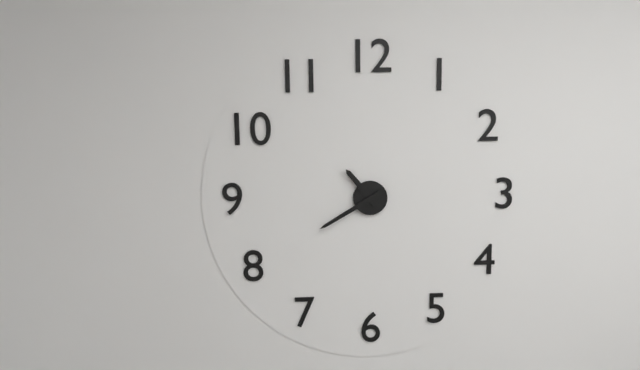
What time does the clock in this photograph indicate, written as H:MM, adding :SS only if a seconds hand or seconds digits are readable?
10:40
